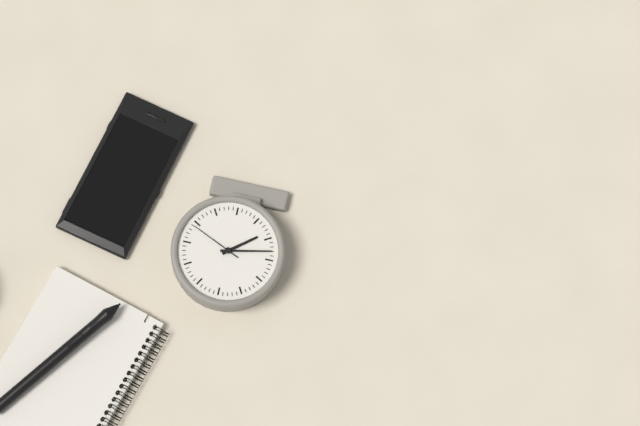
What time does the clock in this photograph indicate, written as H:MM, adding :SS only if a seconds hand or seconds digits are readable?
7:43:19
